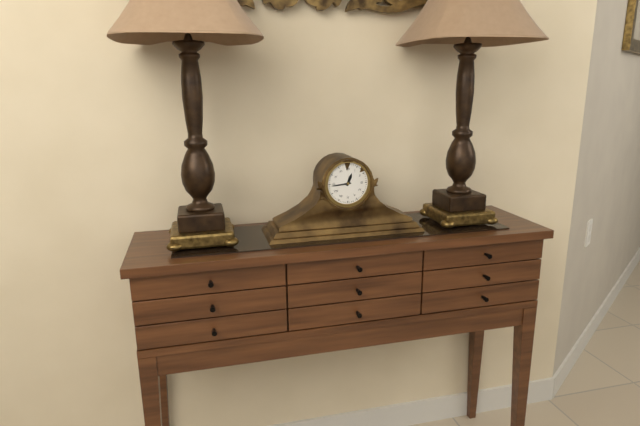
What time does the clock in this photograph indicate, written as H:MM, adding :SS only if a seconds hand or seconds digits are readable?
12:44
